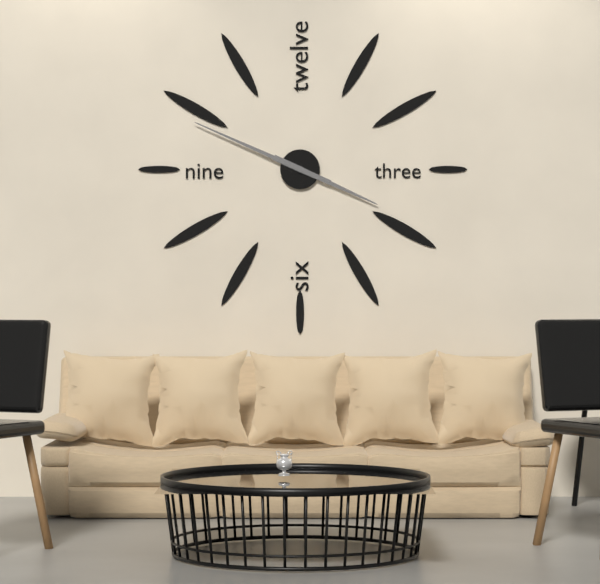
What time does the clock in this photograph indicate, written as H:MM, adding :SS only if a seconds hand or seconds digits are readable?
3:49
